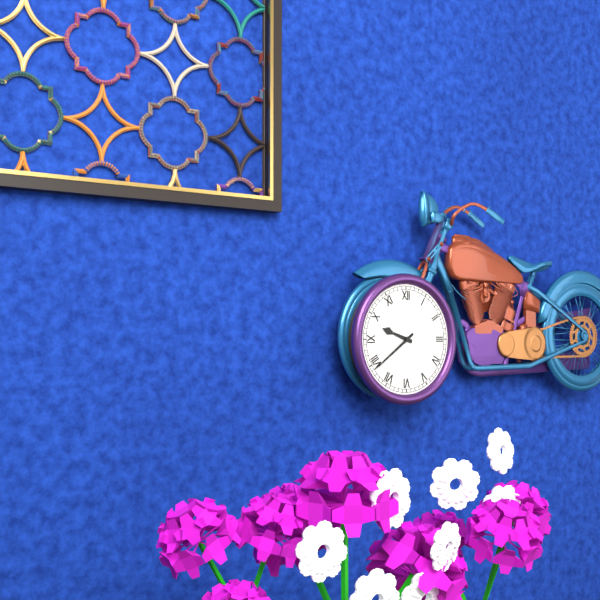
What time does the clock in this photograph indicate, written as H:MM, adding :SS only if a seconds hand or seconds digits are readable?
9:39
